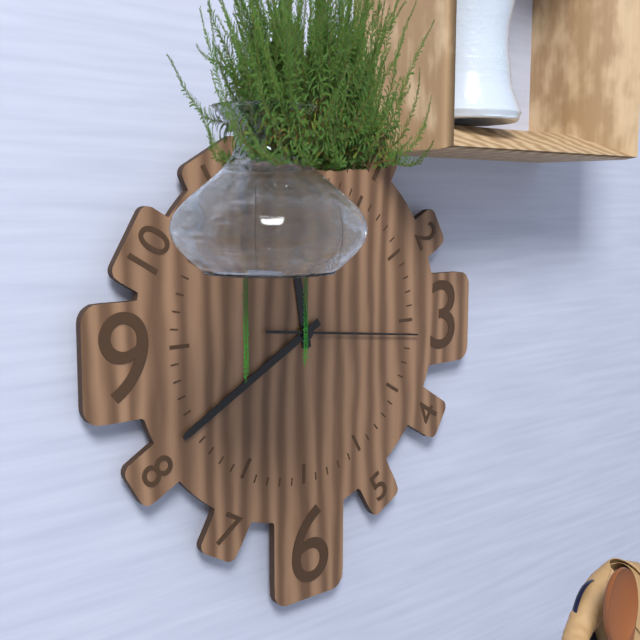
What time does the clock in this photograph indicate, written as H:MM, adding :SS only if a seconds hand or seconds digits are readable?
11:40:16
